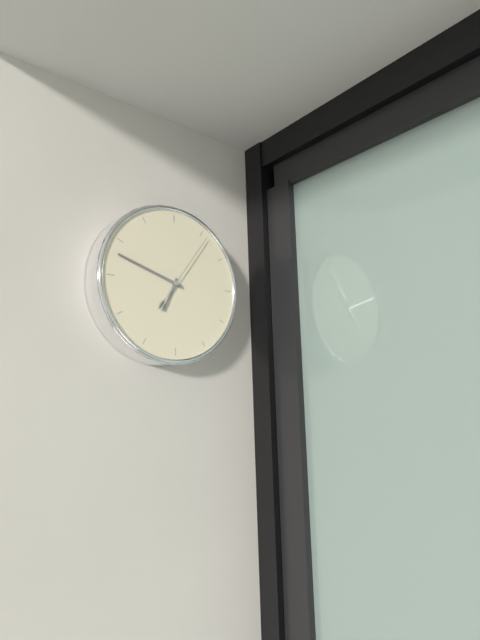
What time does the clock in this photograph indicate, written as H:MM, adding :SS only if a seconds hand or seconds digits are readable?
6:48:06
